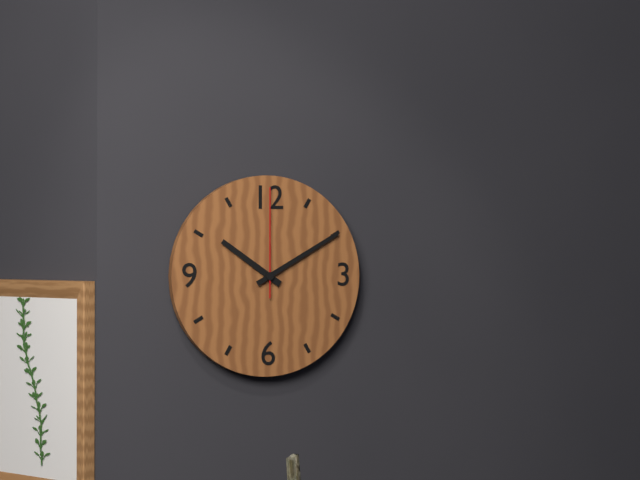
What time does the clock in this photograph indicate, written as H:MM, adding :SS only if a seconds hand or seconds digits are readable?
10:10:00
